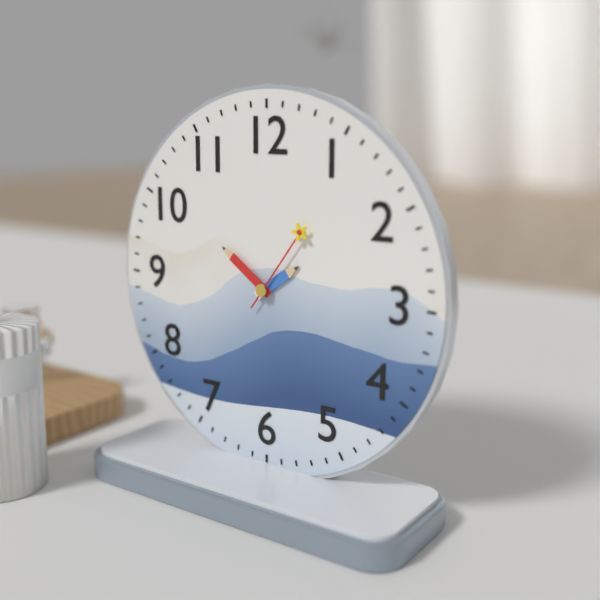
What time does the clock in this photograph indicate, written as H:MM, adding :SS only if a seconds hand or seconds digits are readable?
1:51:06
